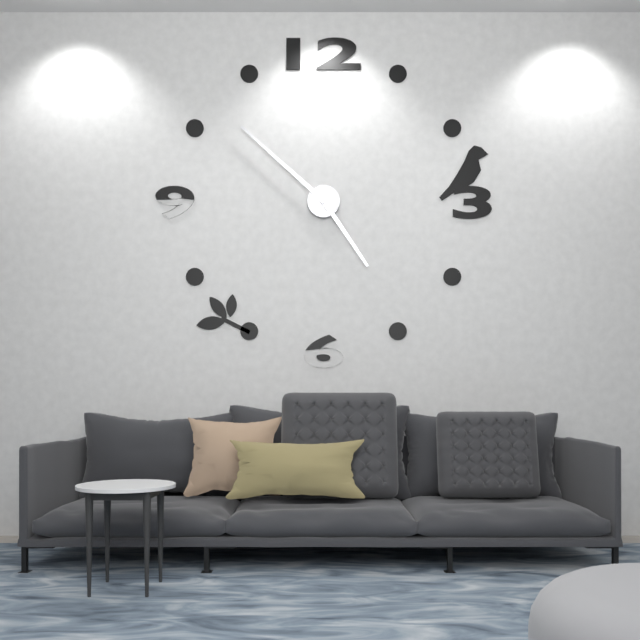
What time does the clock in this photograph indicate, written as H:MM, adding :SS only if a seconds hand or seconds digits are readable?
4:52
